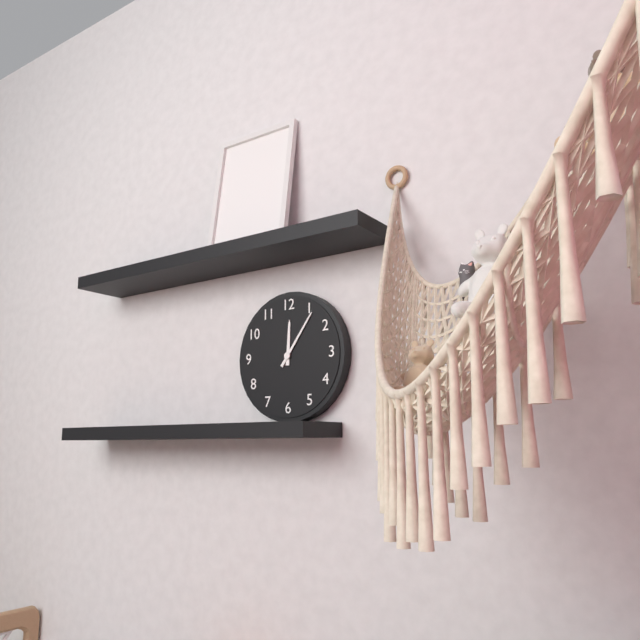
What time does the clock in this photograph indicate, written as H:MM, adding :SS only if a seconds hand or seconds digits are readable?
12:06
